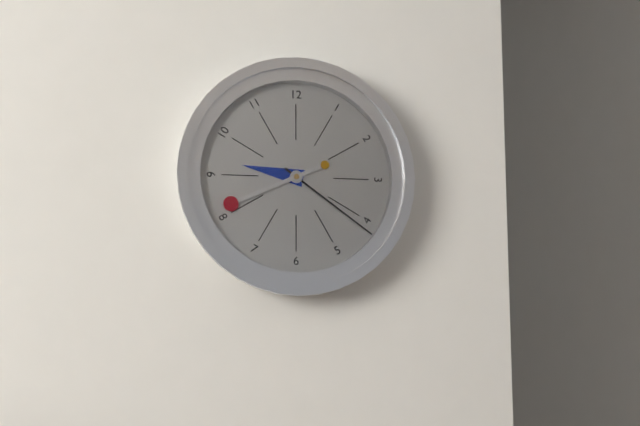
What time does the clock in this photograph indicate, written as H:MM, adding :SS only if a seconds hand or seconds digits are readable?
9:21:41
